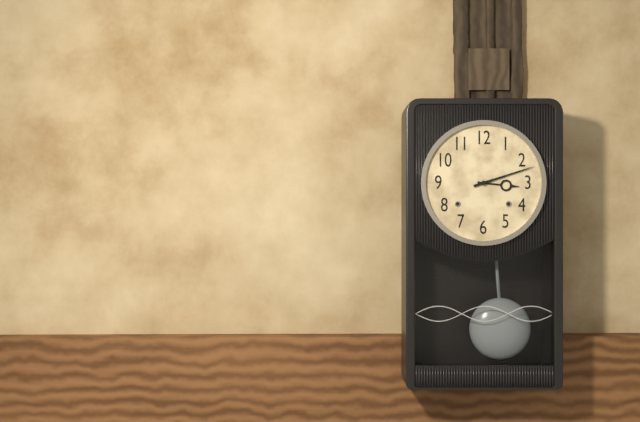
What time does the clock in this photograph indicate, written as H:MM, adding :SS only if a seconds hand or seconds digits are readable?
3:12
